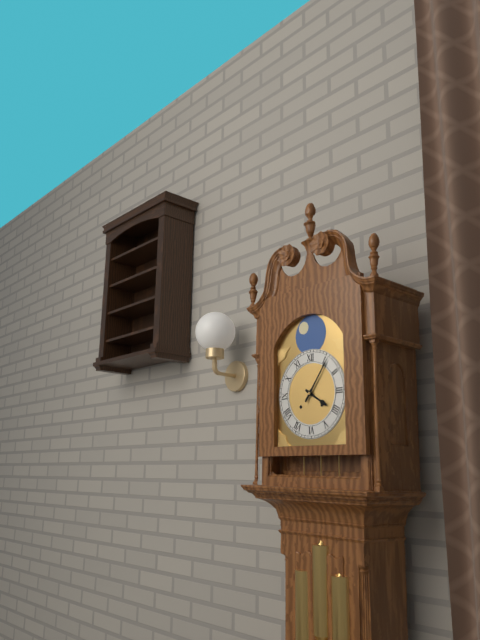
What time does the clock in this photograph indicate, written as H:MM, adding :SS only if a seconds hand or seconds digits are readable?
4:06
